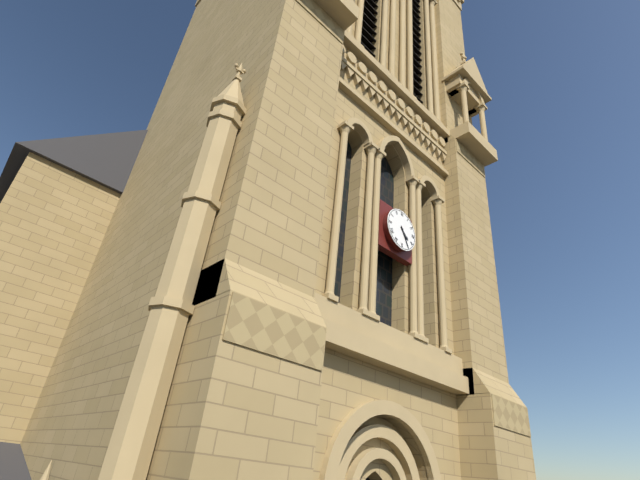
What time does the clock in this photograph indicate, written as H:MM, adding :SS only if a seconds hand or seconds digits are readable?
4:25
